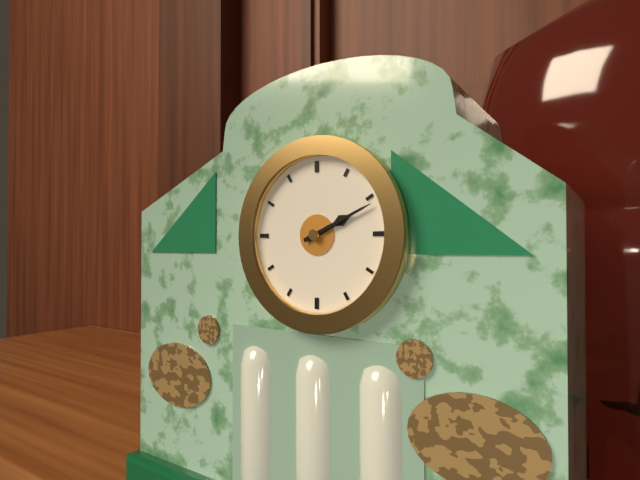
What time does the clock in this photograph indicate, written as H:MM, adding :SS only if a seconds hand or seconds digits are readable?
2:11
